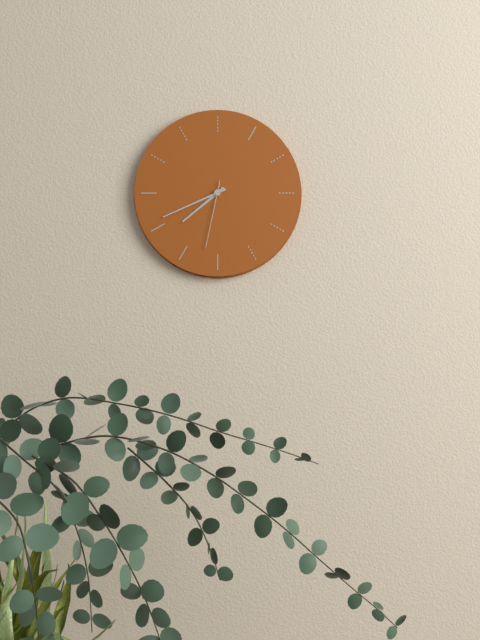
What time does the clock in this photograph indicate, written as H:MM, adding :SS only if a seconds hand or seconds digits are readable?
7:41:32
